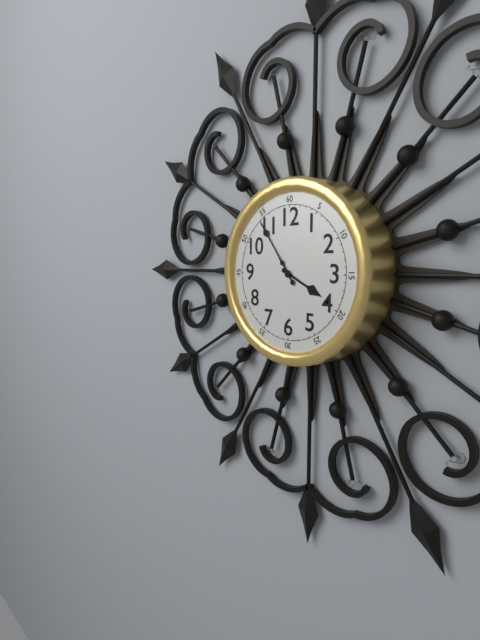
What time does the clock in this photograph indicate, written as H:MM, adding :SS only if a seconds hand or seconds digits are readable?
3:54
